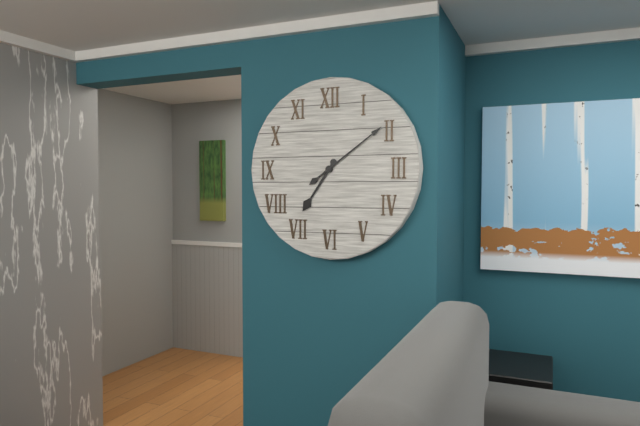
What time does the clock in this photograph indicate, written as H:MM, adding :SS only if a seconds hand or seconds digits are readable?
7:09
